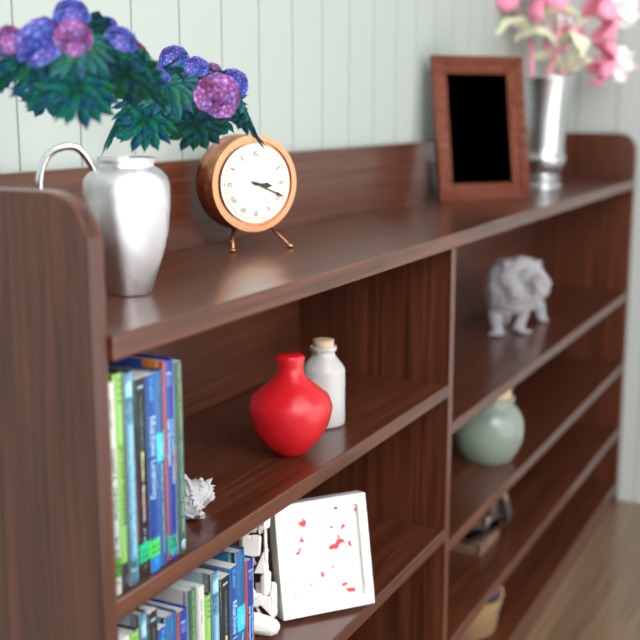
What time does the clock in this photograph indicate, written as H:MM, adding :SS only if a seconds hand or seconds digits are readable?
3:19
